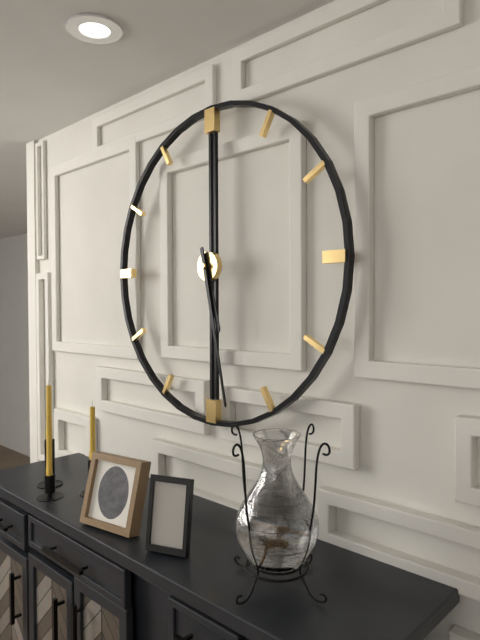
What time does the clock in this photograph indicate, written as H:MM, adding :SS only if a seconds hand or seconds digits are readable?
5:28
